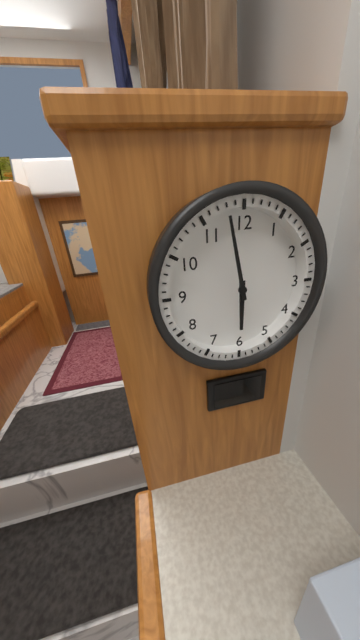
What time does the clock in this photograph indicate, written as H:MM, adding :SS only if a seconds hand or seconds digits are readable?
5:58
